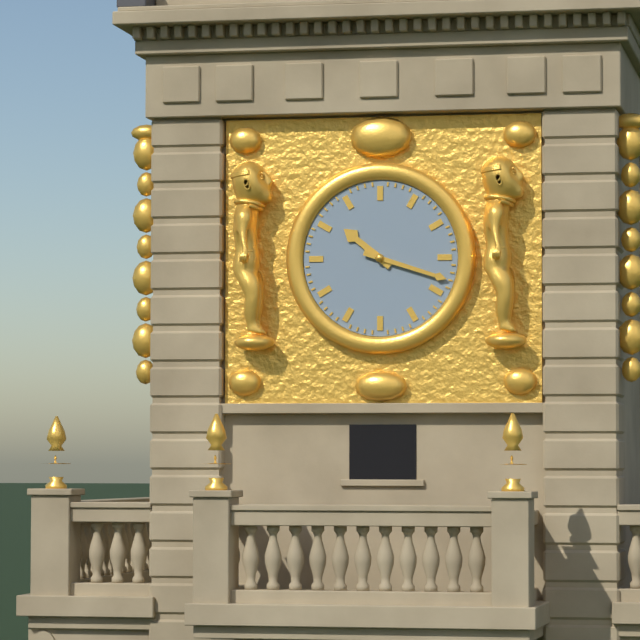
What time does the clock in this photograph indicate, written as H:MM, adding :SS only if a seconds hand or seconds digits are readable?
10:18
